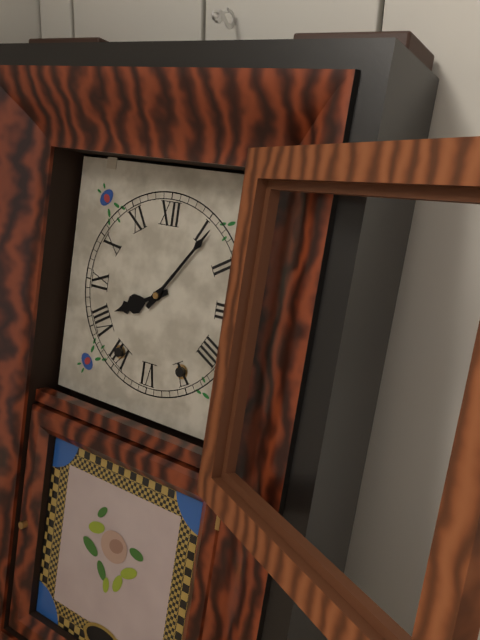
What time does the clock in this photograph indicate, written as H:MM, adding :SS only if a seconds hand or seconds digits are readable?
8:06
